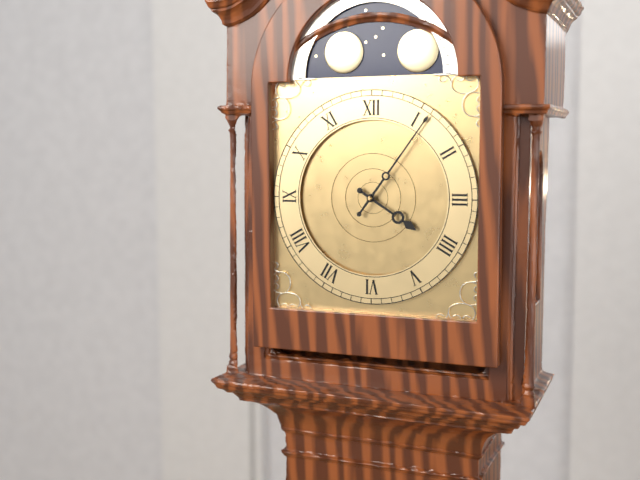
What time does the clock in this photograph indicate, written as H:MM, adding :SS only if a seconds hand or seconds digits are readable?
4:06
